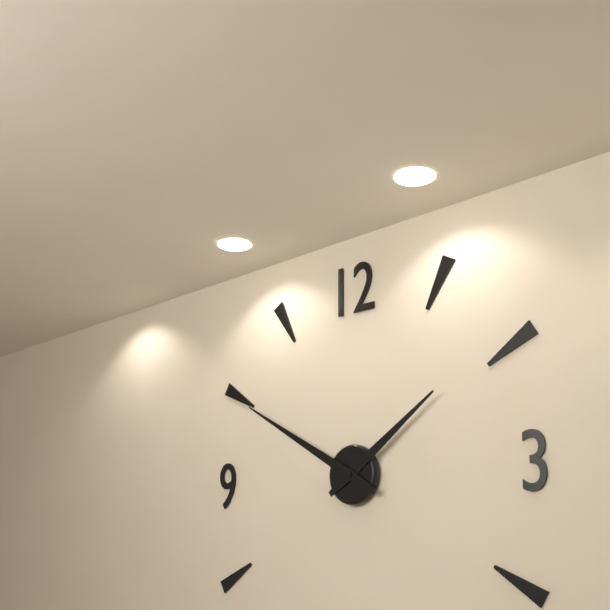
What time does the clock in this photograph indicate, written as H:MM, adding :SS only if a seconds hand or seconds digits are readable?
1:50
